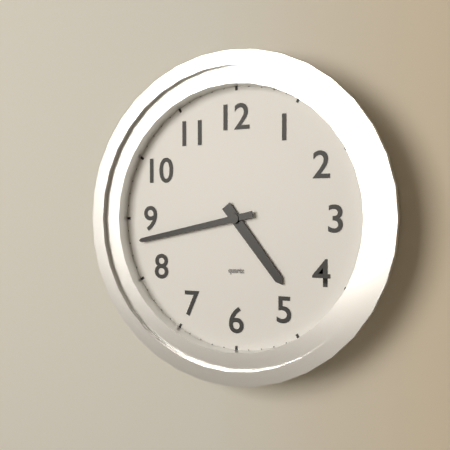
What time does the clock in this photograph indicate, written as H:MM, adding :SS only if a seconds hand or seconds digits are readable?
4:43
